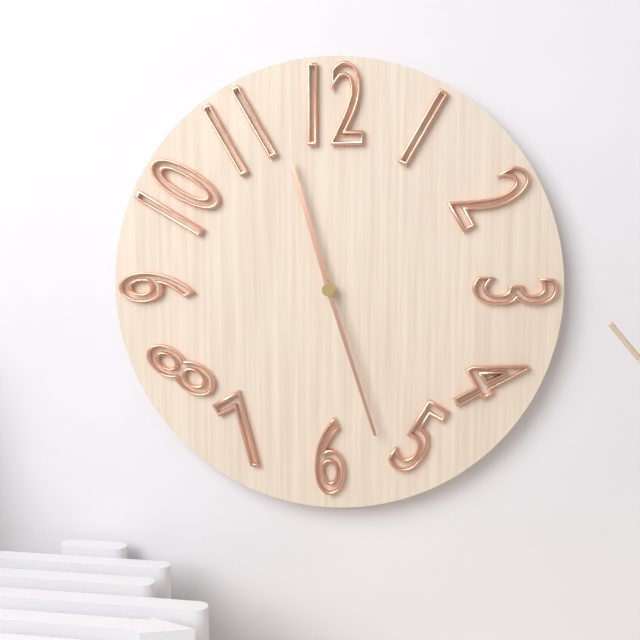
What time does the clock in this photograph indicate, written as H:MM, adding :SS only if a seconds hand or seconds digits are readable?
11:27
